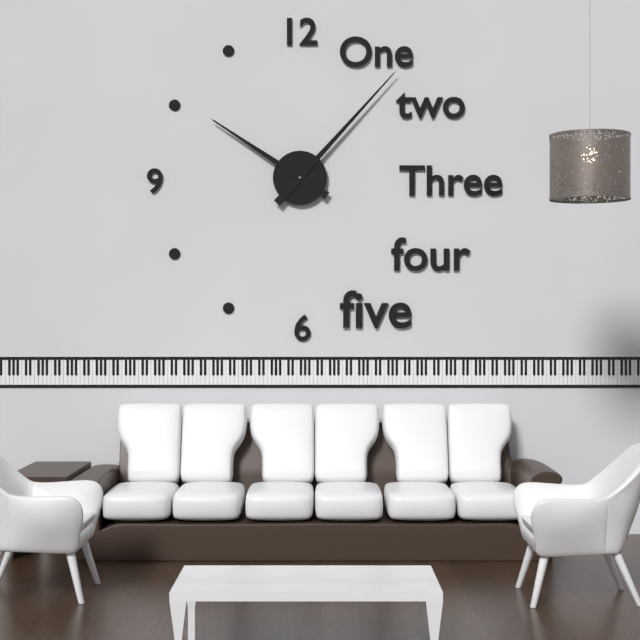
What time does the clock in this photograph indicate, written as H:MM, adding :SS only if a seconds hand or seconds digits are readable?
10:07
